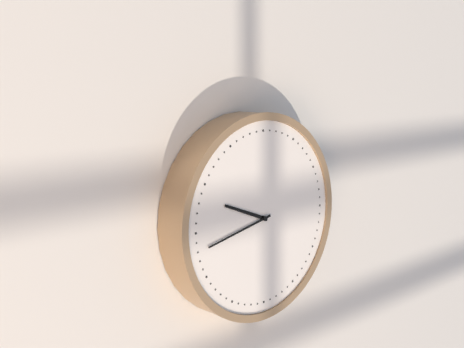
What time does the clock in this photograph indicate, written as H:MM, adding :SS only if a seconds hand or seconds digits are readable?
9:43
